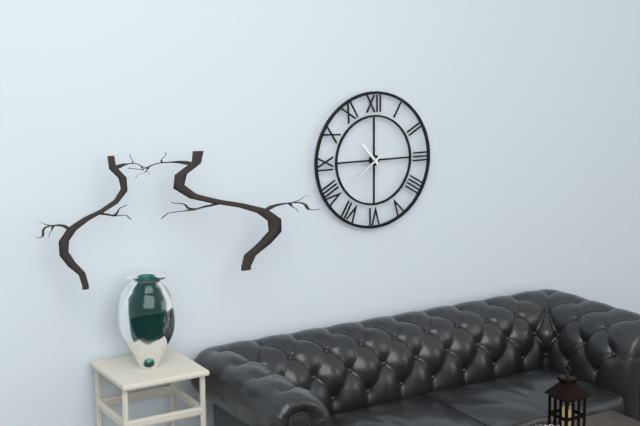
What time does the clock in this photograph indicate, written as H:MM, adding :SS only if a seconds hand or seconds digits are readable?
10:39
